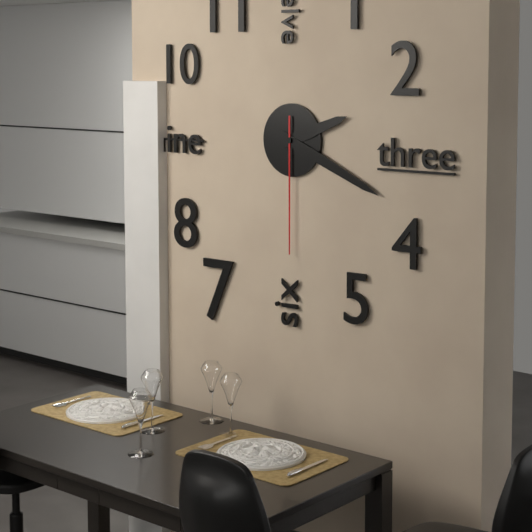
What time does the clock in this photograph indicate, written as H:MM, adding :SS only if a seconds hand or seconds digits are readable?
2:19:30
